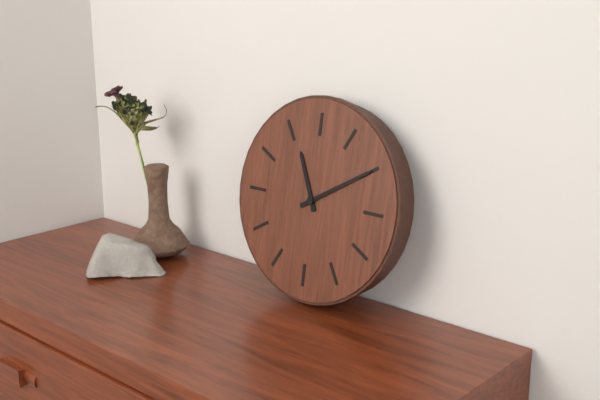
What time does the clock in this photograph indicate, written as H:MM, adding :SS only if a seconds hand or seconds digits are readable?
11:10
